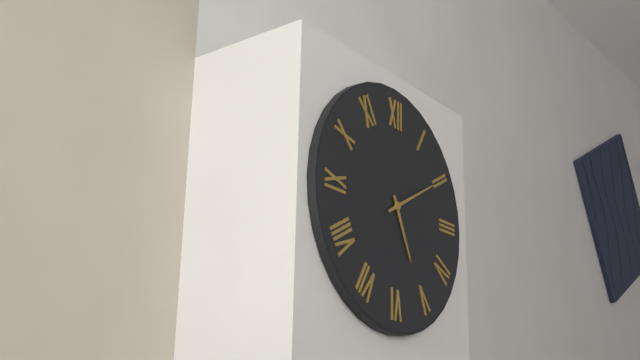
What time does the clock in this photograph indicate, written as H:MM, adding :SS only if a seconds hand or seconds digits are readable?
5:10
